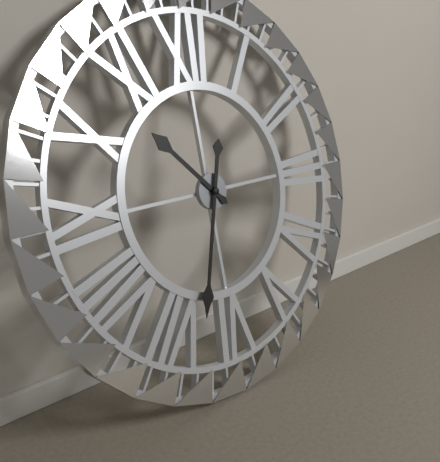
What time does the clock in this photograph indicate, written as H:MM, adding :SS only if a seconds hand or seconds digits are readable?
10:33
